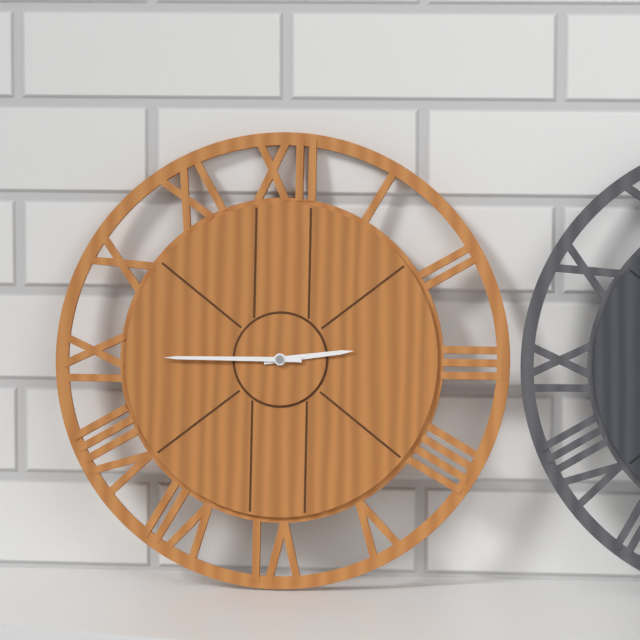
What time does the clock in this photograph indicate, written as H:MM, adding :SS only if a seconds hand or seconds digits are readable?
2:45
